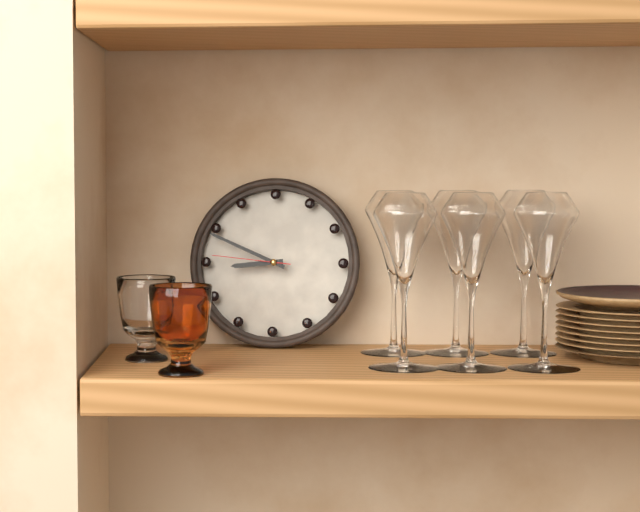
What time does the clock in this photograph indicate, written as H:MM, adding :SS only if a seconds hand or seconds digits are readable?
8:49:46
